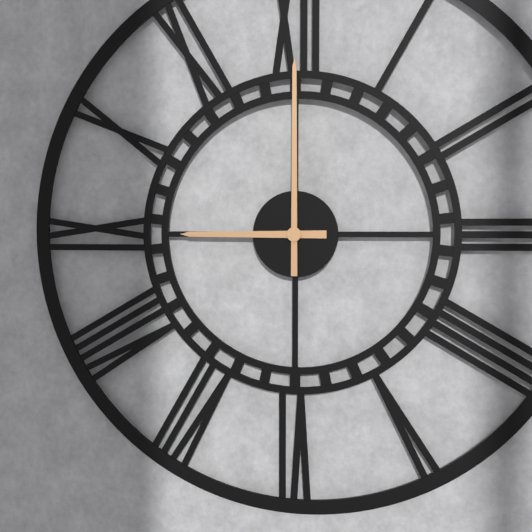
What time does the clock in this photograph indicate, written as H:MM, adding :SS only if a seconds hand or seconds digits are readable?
9:00
